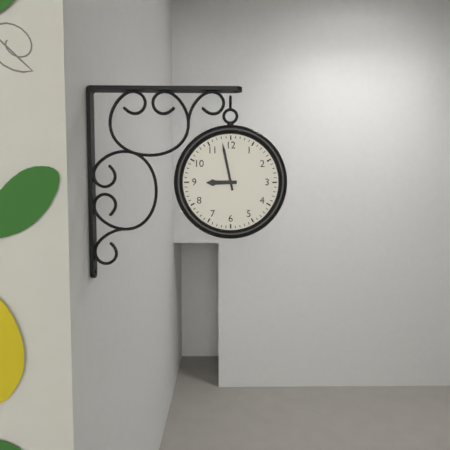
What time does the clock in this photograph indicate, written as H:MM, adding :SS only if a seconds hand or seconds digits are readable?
8:58
